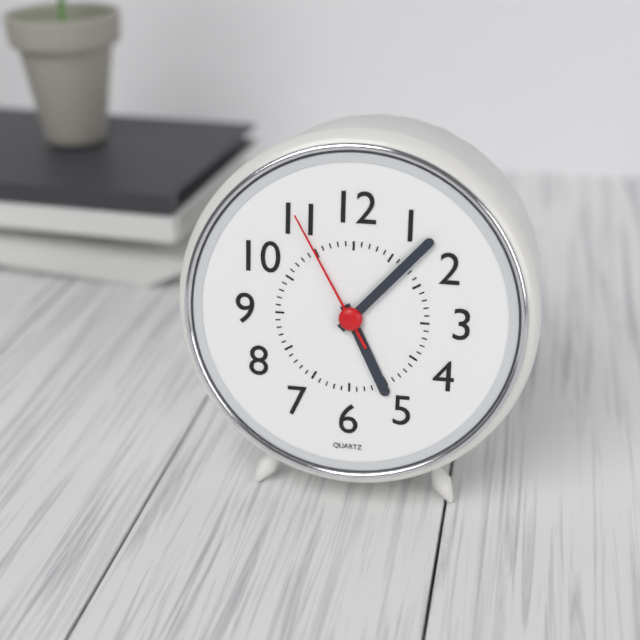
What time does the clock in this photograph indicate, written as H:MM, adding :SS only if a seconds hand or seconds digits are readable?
5:07:55
